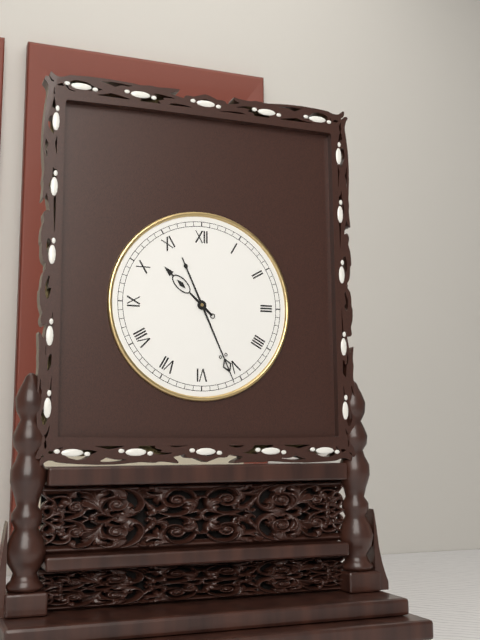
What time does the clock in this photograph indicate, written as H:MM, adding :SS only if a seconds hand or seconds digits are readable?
10:26
